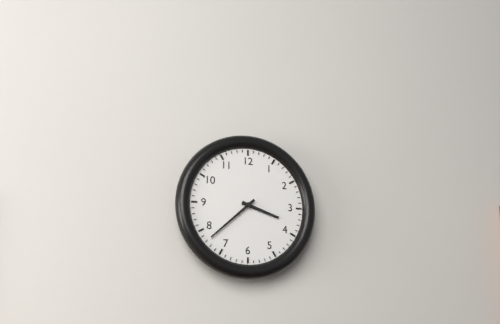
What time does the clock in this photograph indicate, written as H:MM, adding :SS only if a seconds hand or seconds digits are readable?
3:38
